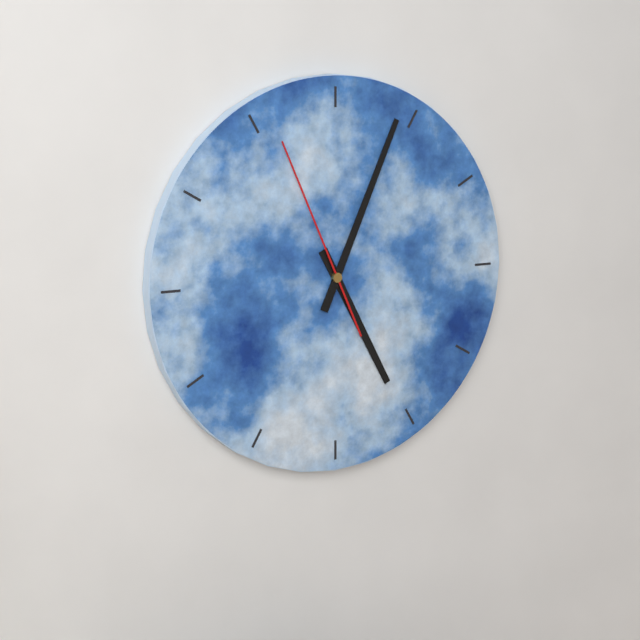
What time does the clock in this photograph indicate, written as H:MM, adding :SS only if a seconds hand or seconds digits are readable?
5:04:56
